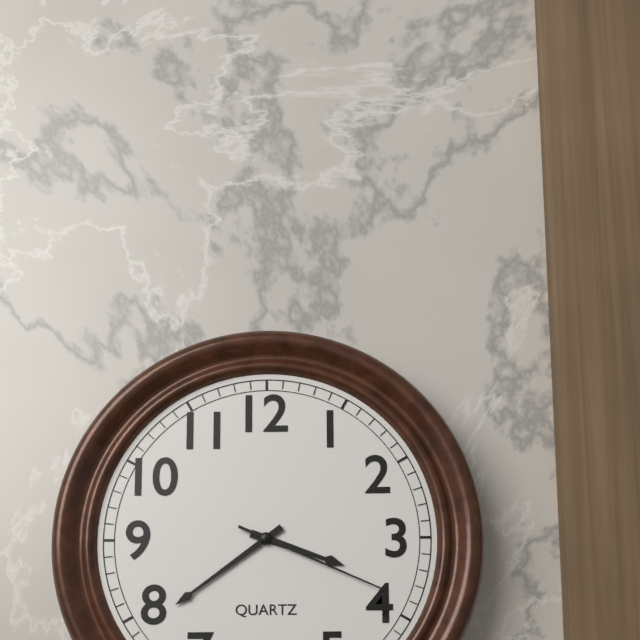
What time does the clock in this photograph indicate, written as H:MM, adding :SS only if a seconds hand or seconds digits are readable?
3:39:19
